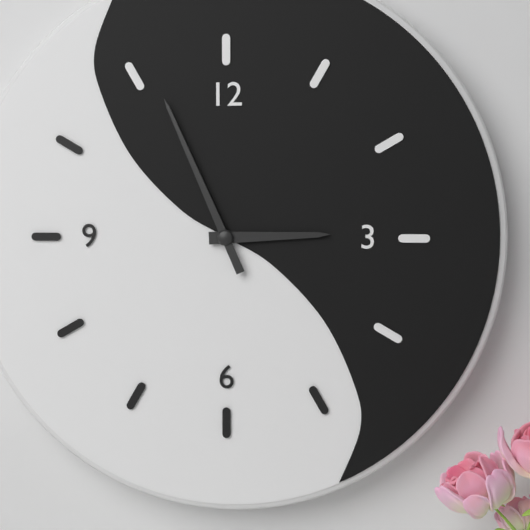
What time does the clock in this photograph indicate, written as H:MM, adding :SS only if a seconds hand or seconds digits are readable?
2:56
